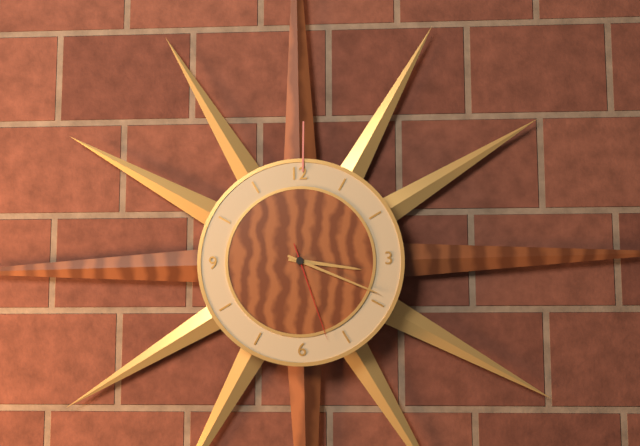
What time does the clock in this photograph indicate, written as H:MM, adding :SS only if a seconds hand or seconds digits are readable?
3:19:27
